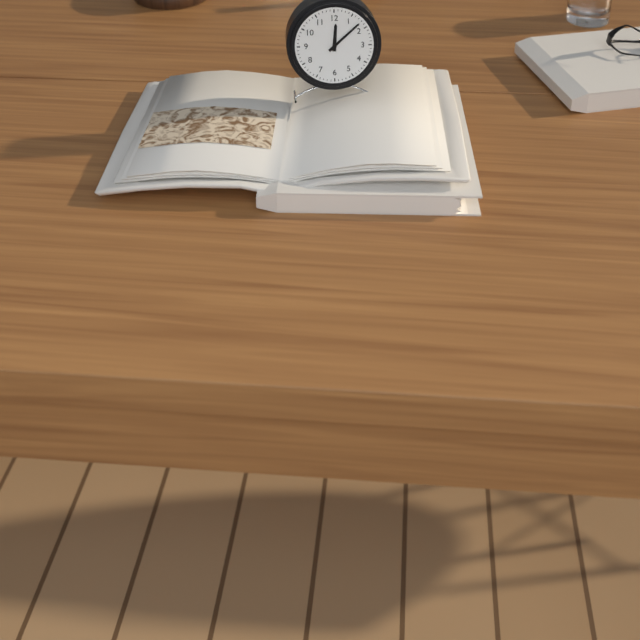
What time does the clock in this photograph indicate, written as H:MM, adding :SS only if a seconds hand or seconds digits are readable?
12:08
